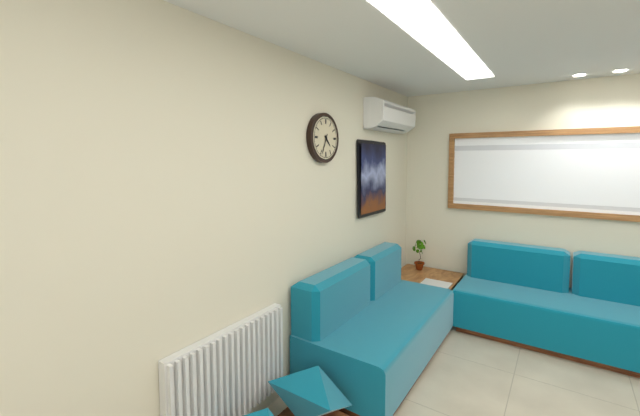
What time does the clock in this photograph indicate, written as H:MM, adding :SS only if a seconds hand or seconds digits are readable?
4:34
